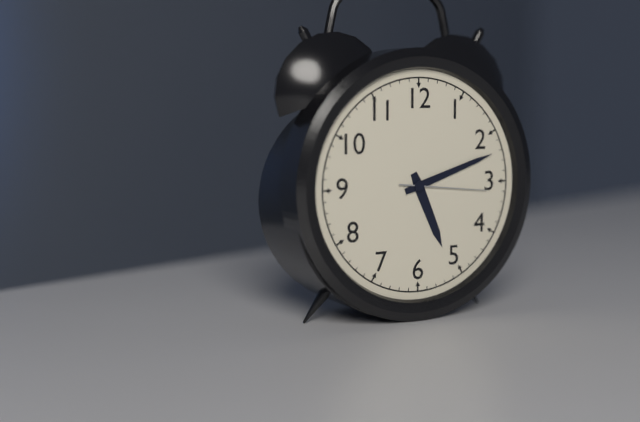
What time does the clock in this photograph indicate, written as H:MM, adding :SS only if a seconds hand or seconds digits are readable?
5:12:16
